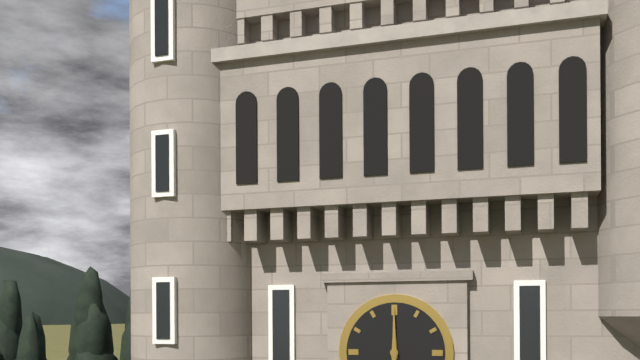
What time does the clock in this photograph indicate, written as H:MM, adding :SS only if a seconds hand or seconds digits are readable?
12:00
